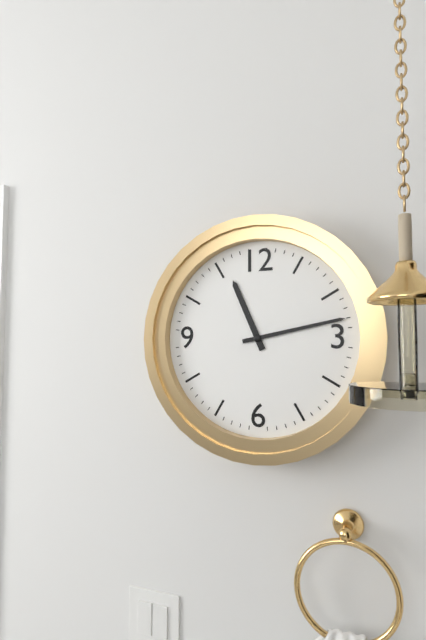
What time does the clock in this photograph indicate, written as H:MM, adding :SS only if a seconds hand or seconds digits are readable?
11:13
